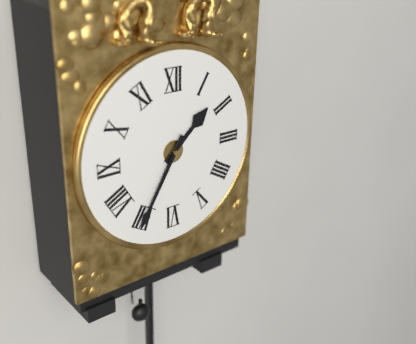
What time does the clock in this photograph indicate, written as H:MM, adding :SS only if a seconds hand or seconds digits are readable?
1:35
